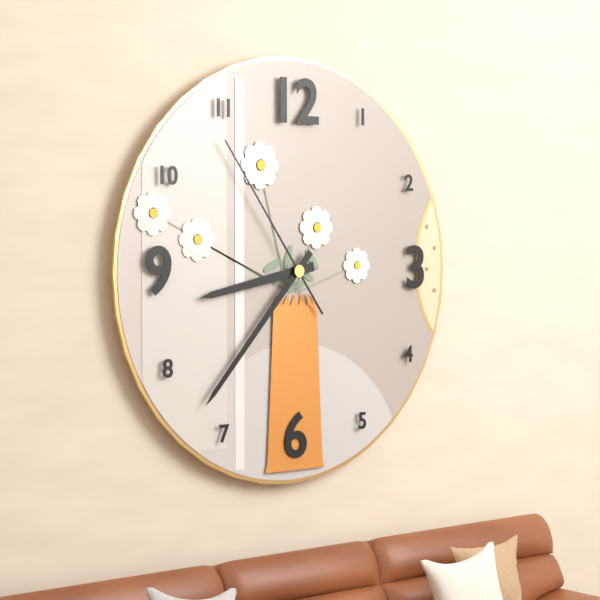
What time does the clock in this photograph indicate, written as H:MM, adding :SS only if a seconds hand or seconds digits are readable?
8:37:54
